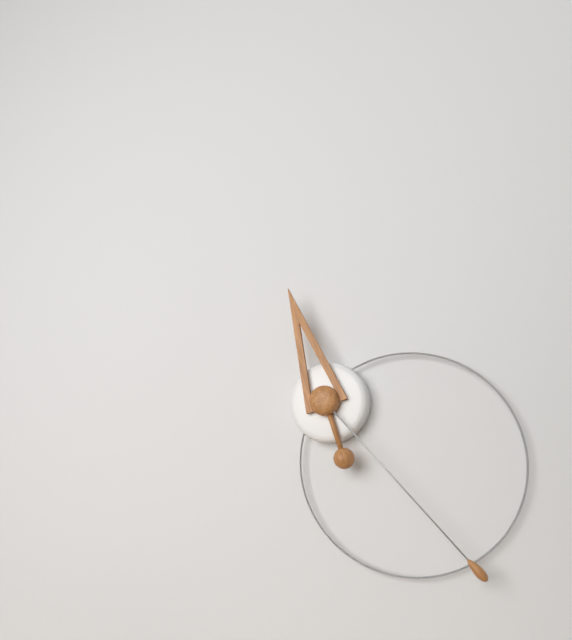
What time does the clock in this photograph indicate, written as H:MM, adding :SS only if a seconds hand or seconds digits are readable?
11:23
